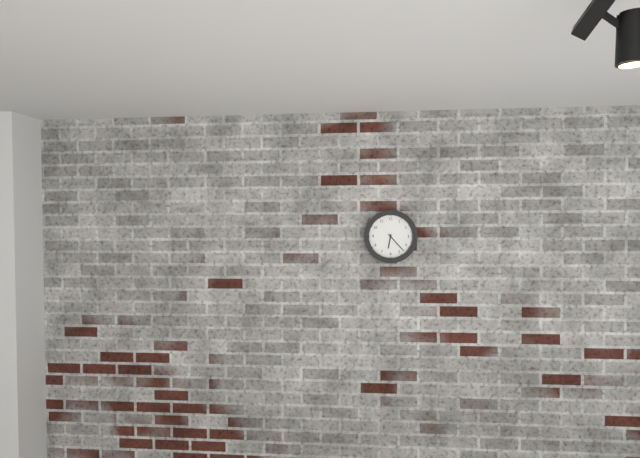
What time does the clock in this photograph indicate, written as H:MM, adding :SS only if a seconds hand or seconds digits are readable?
6:23
